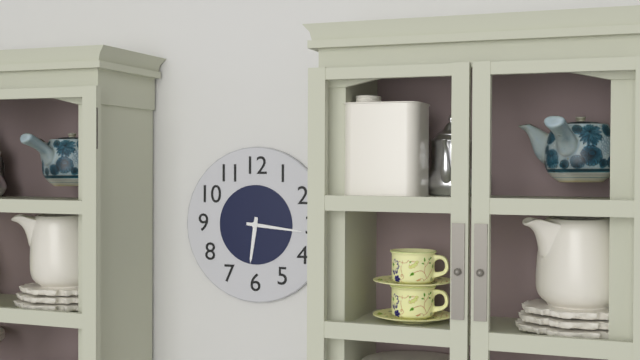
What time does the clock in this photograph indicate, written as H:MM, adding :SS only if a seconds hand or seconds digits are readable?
6:16
